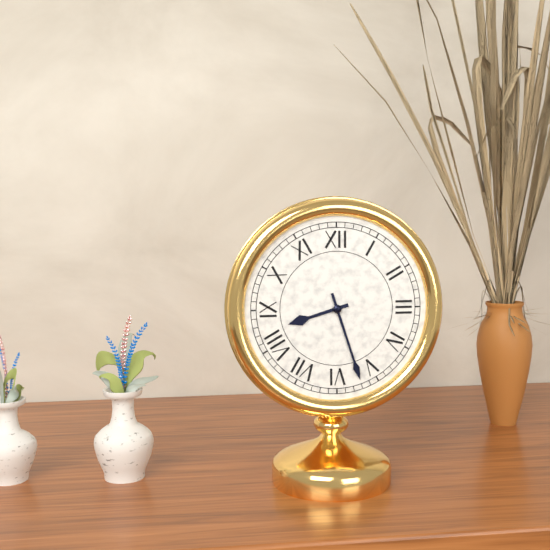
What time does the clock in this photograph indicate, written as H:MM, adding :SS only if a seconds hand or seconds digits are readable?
8:27
